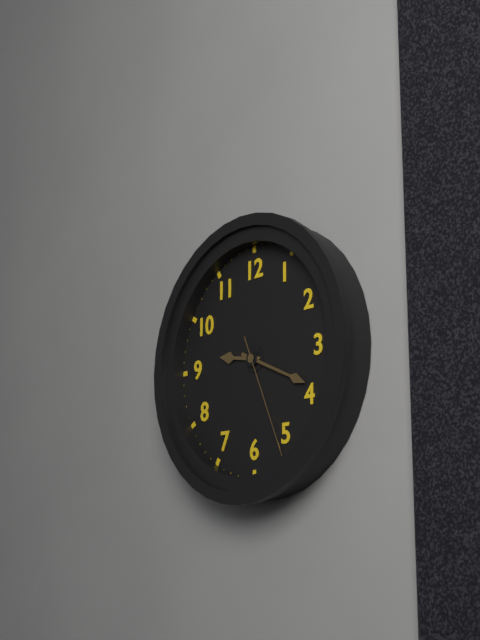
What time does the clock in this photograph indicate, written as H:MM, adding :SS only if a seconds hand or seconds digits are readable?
9:19:26
